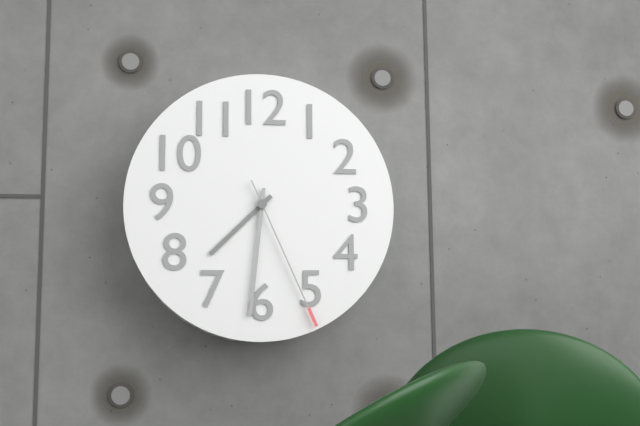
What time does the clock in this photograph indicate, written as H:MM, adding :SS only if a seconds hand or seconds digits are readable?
7:31:26
